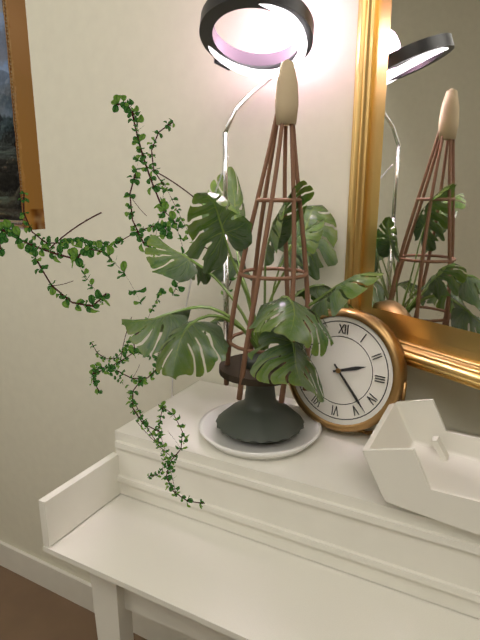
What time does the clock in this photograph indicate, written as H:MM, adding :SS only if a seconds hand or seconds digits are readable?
2:23
